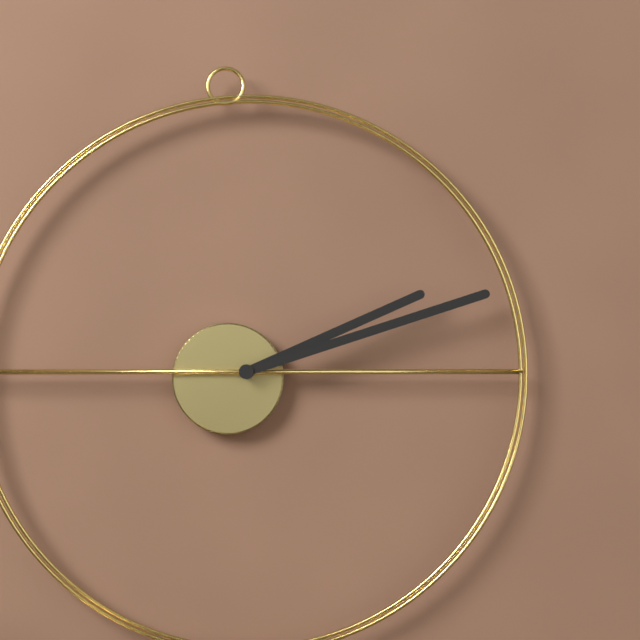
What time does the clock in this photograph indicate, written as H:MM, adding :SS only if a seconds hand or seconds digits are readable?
2:12
